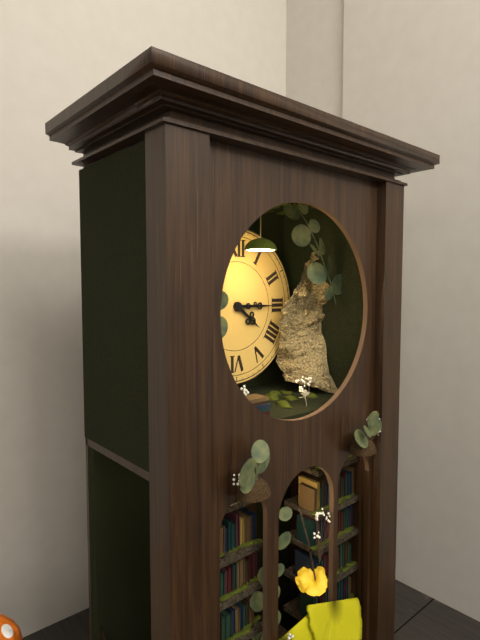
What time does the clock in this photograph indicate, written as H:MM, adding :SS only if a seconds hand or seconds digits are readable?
4:15
